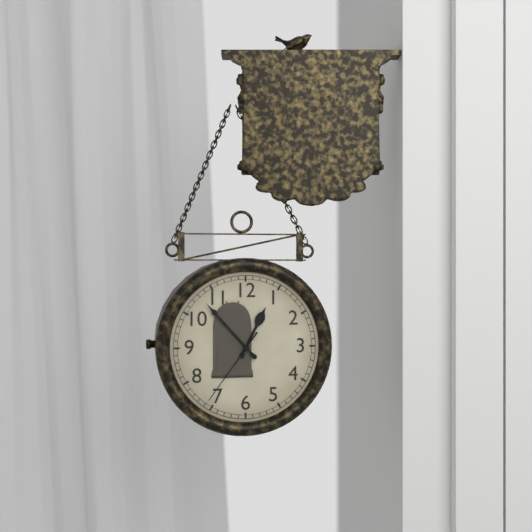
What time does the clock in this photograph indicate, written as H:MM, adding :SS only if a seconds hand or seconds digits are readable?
12:53:36
